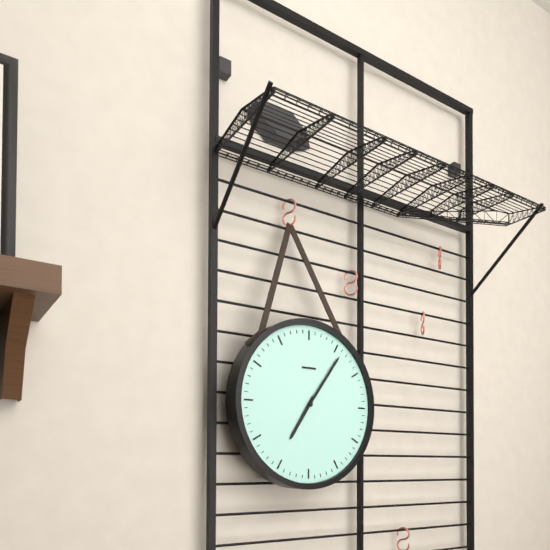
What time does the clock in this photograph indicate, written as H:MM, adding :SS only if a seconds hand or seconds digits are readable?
7:06
